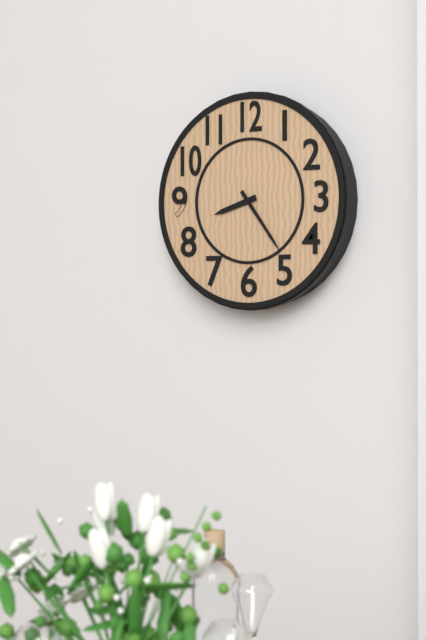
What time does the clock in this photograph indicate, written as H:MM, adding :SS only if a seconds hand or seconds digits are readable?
8:24
